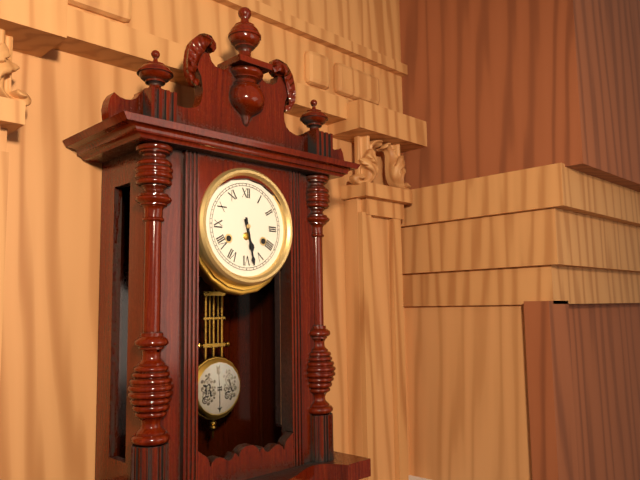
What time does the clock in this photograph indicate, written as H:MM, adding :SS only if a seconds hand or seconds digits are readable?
5:28
